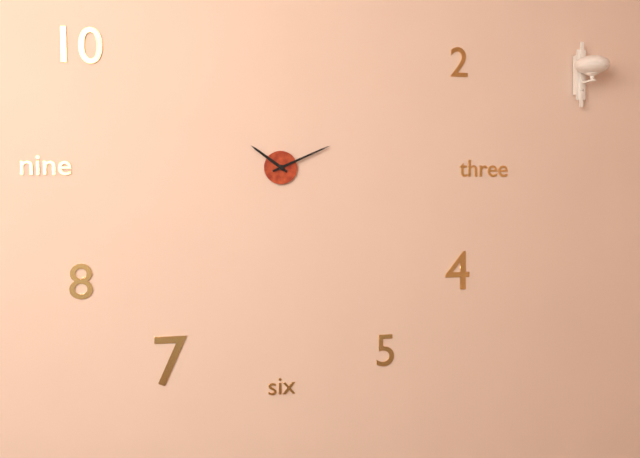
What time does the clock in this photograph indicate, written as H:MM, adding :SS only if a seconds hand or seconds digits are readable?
10:11
